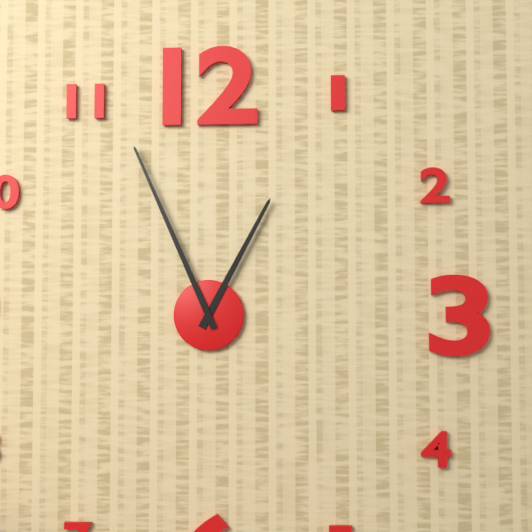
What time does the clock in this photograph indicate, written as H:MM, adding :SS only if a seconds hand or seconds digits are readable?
12:56
